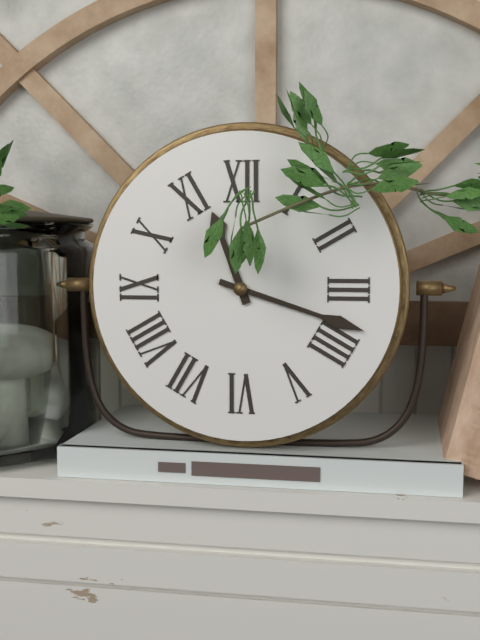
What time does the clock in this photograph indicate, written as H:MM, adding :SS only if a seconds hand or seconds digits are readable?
11:18
